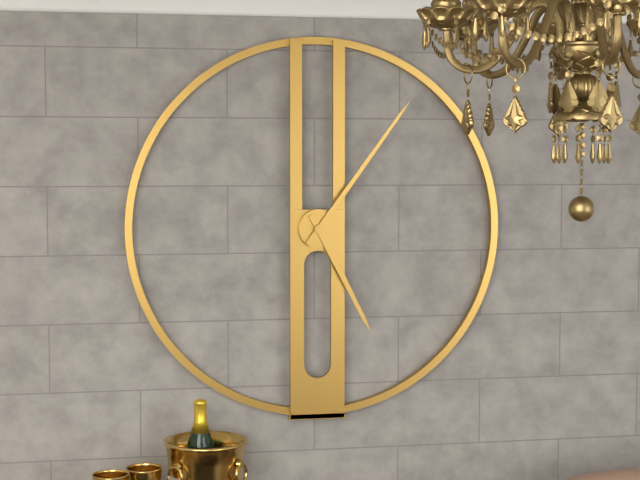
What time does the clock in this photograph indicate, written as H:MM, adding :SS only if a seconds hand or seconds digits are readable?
5:06
